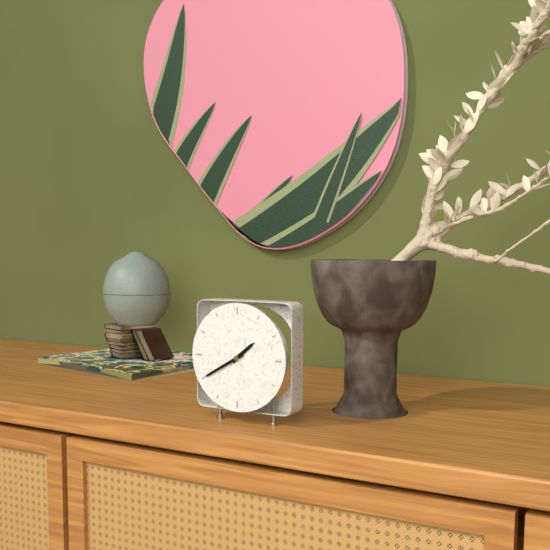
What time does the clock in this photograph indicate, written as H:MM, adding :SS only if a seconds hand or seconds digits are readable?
1:40
